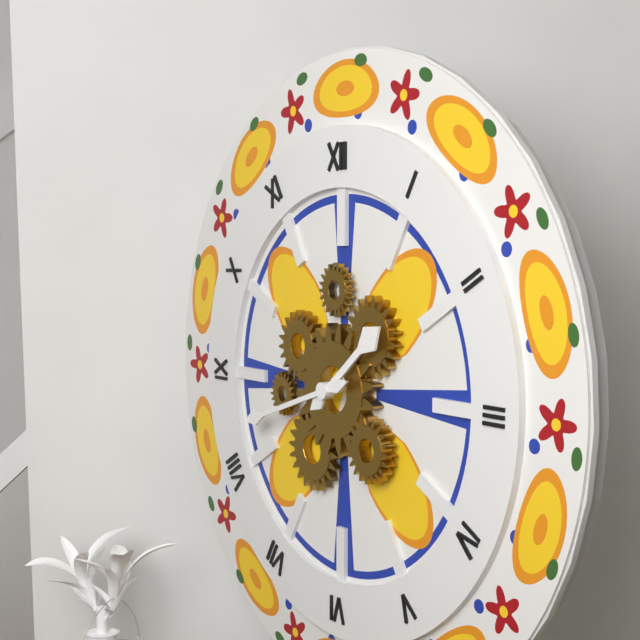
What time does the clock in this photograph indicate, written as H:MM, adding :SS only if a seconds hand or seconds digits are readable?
1:42
